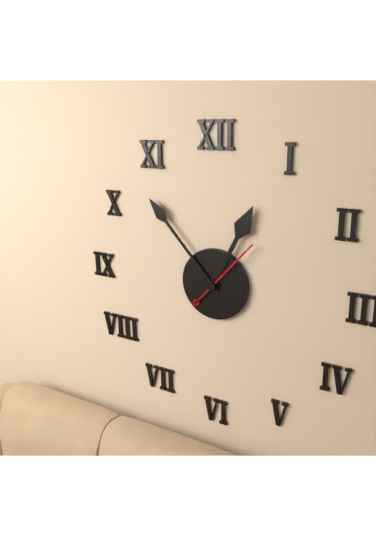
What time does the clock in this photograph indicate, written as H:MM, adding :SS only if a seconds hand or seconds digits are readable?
12:53:07
